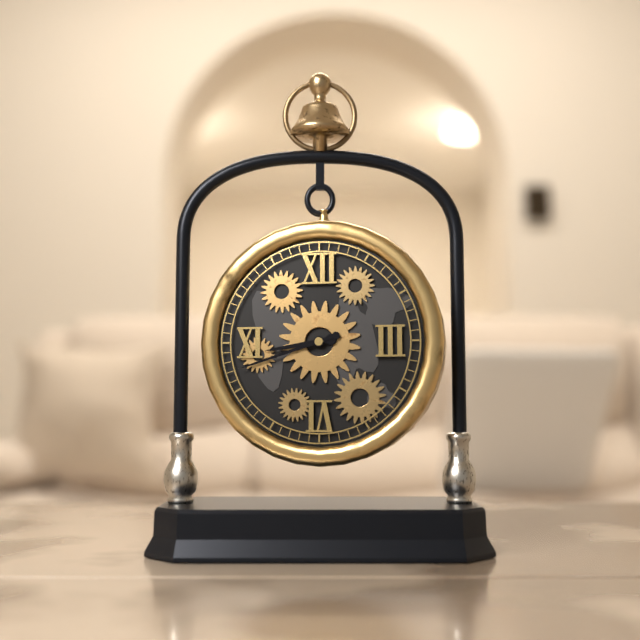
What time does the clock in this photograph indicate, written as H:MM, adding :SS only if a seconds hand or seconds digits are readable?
8:42
